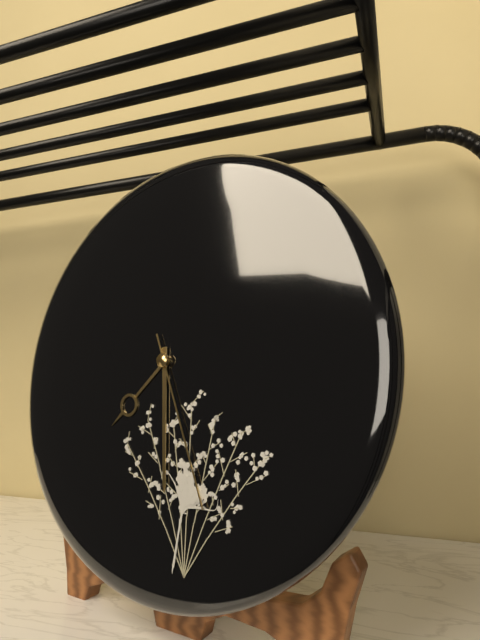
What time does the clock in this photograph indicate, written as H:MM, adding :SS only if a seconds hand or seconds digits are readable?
7:29:26
